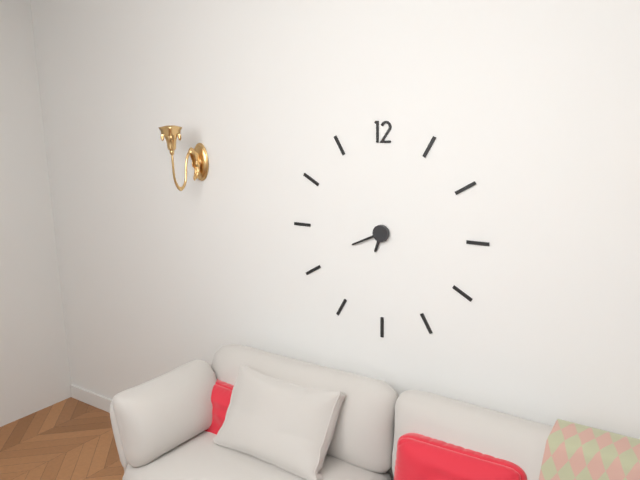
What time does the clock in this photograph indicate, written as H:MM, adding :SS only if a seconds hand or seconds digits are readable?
6:41
